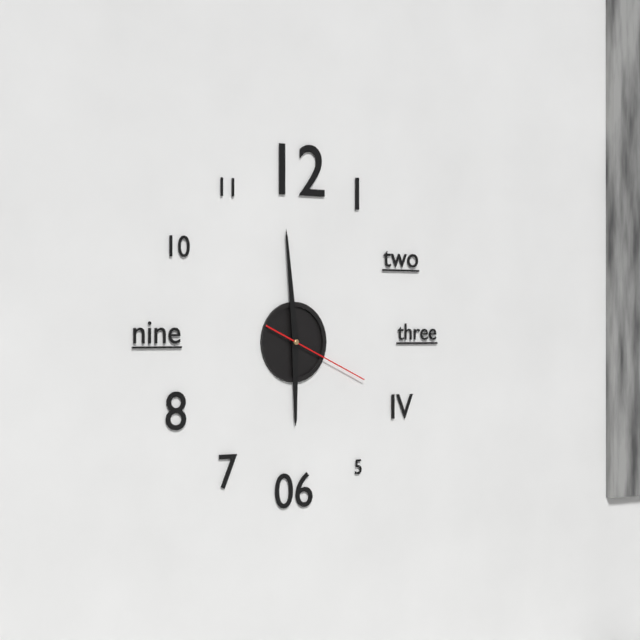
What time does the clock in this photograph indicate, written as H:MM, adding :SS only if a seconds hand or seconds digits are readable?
5:59:19
